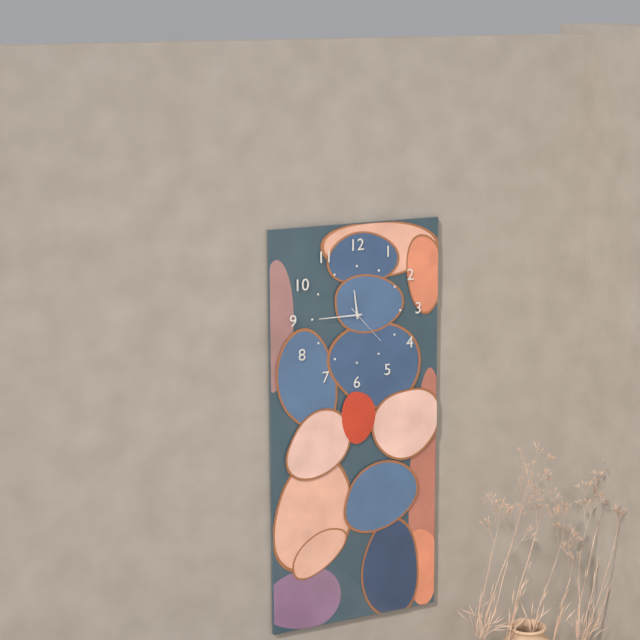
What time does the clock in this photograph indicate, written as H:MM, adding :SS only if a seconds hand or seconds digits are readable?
11:45
